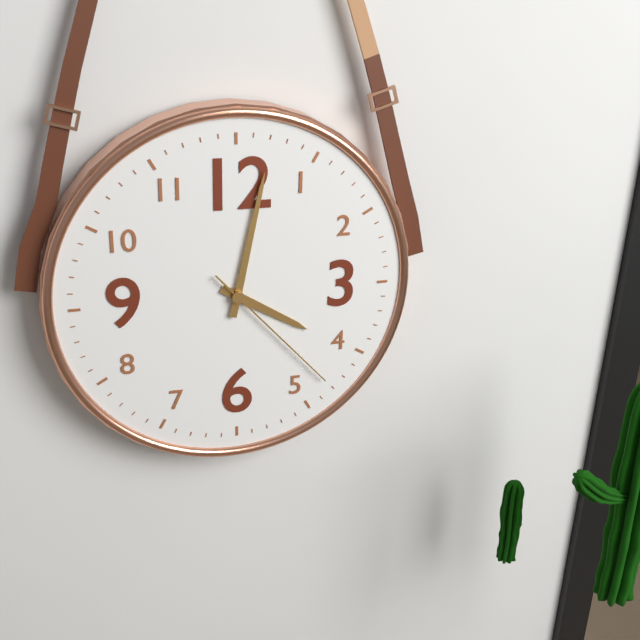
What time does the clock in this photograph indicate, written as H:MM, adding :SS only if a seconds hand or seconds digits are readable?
4:02:23
